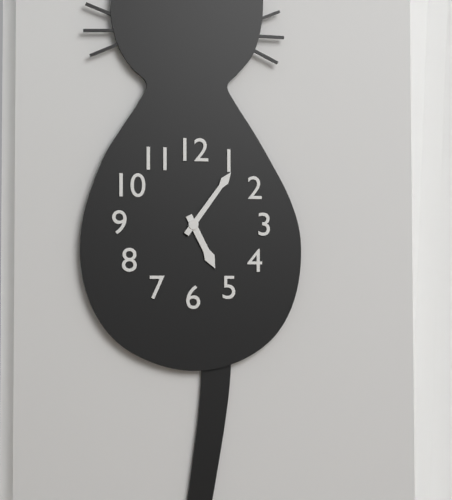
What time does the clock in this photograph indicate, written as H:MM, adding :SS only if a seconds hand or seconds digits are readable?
5:06
